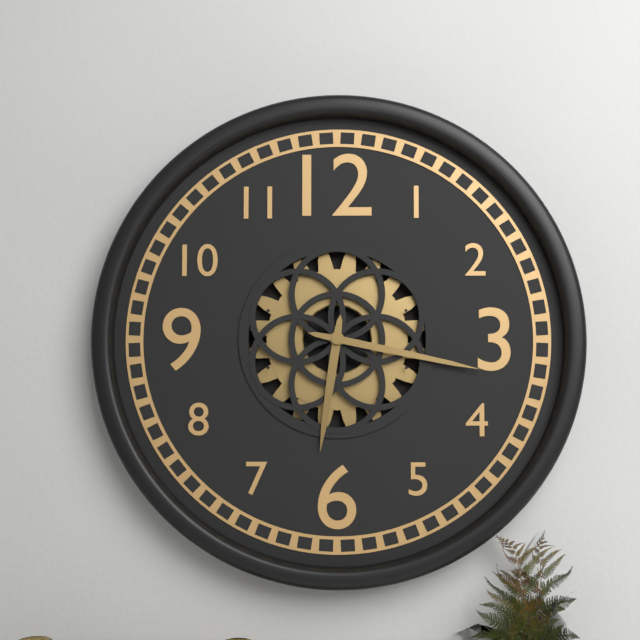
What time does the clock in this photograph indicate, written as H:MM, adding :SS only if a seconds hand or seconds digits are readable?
6:17
